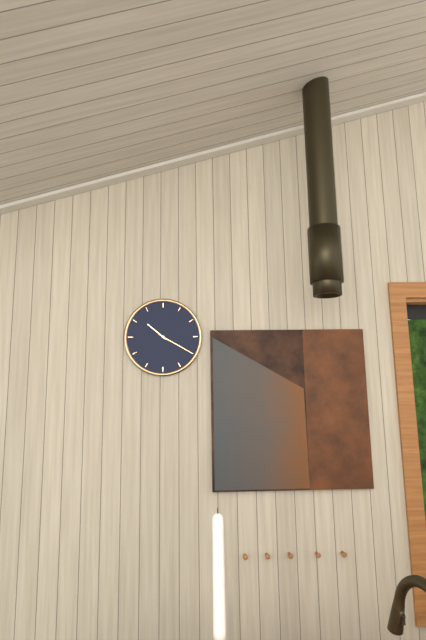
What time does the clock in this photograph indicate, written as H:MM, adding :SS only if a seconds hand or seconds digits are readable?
10:20
